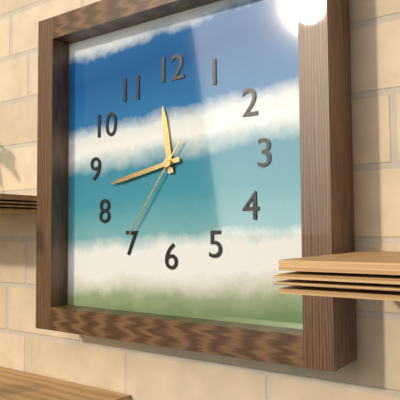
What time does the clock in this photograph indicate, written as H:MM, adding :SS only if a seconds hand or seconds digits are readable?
11:43:36
